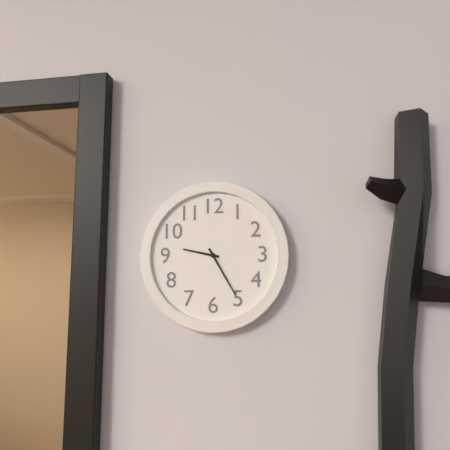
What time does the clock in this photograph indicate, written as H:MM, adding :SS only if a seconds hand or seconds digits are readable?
9:25
